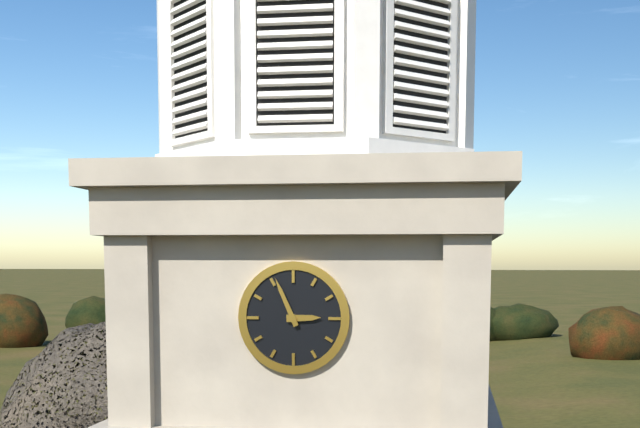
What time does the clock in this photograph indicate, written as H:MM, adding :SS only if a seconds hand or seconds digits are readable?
2:56
